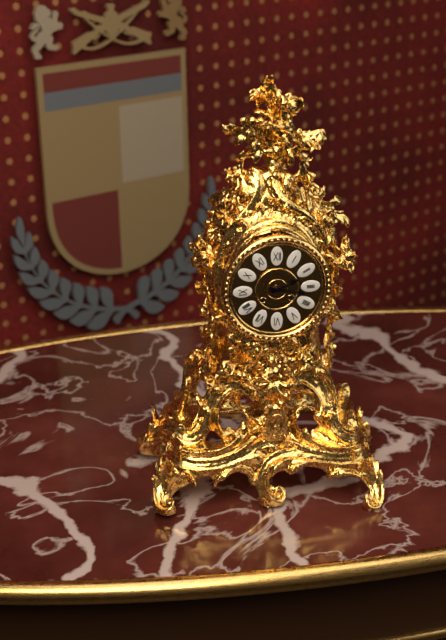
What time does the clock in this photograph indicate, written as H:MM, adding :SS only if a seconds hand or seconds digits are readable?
2:17
